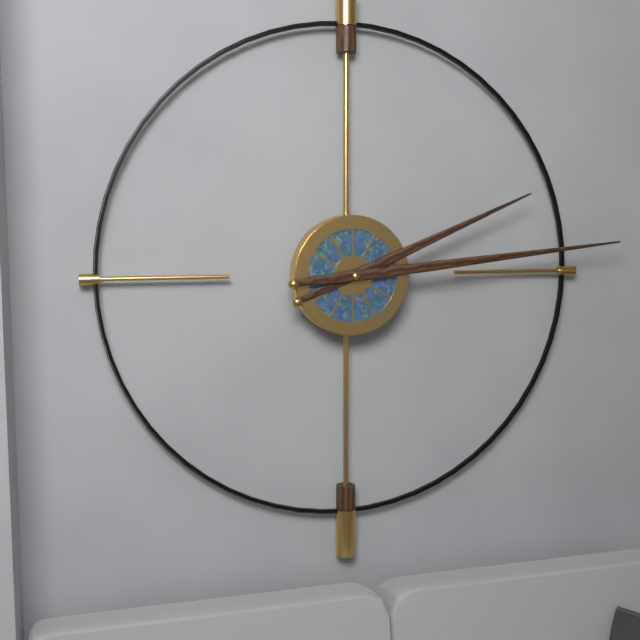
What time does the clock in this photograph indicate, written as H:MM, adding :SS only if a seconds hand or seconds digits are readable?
2:14
